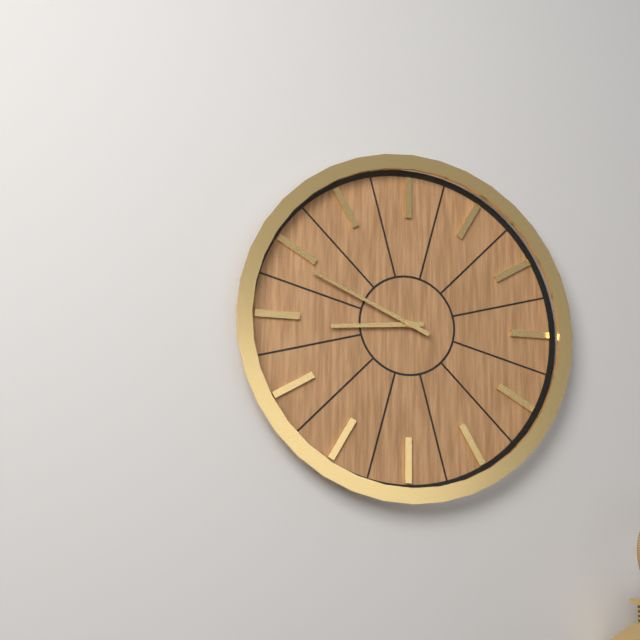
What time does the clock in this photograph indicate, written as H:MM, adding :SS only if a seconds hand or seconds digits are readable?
8:49
